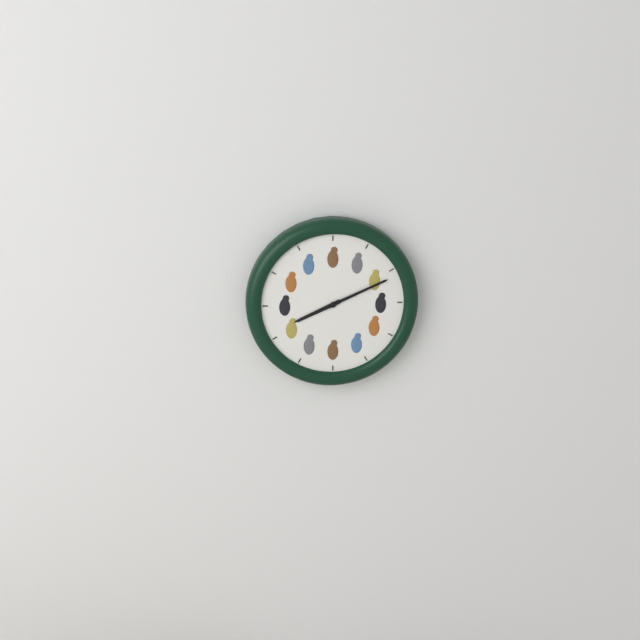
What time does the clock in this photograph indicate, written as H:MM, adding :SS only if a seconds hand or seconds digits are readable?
8:11
